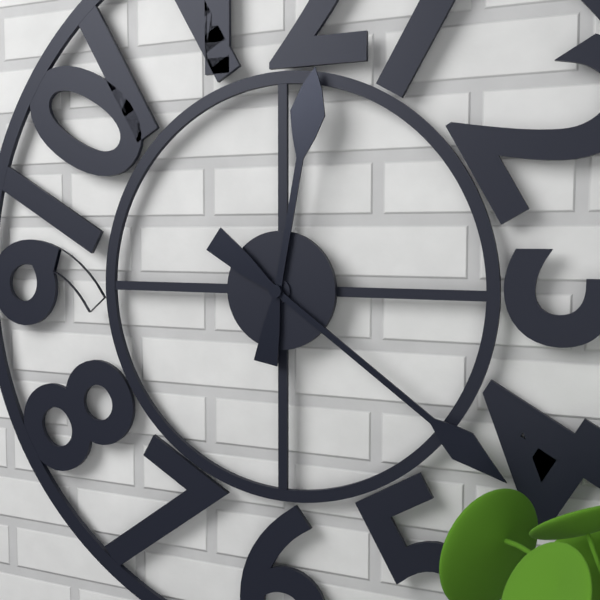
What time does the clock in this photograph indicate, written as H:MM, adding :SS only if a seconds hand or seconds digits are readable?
12:21
